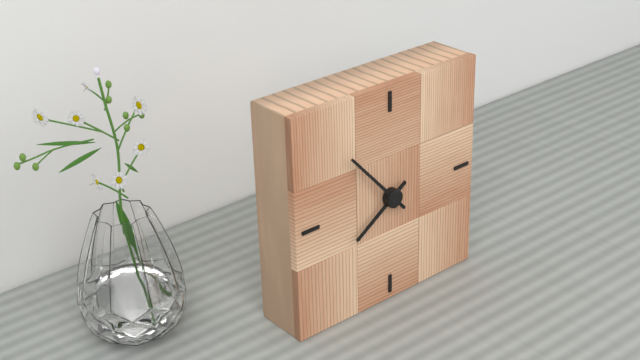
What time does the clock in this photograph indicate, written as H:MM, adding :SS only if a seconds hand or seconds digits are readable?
7:53
